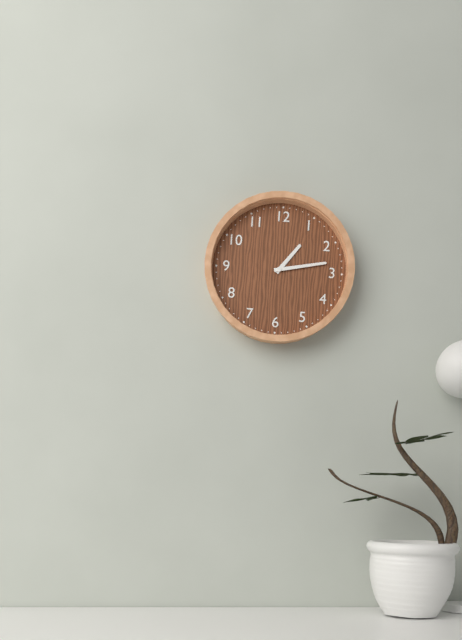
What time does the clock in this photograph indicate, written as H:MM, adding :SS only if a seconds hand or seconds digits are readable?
1:13
